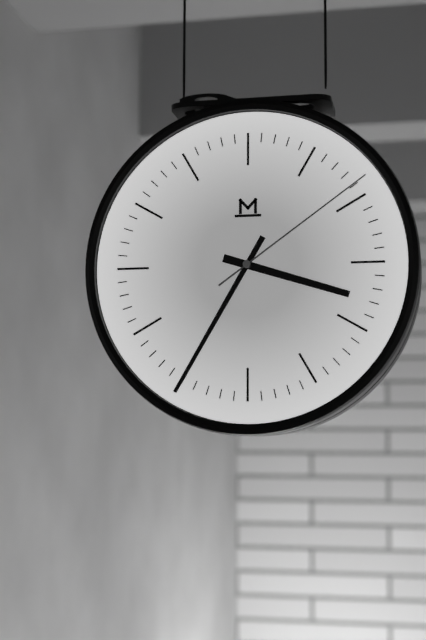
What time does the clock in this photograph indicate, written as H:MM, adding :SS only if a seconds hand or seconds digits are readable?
3:35:09
